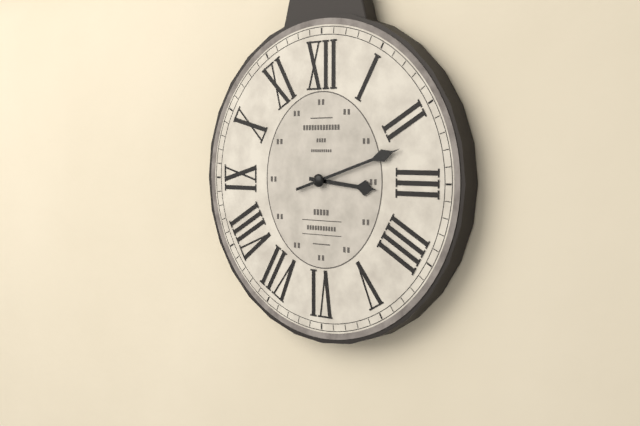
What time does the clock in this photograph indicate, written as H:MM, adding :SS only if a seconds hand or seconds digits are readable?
3:12
